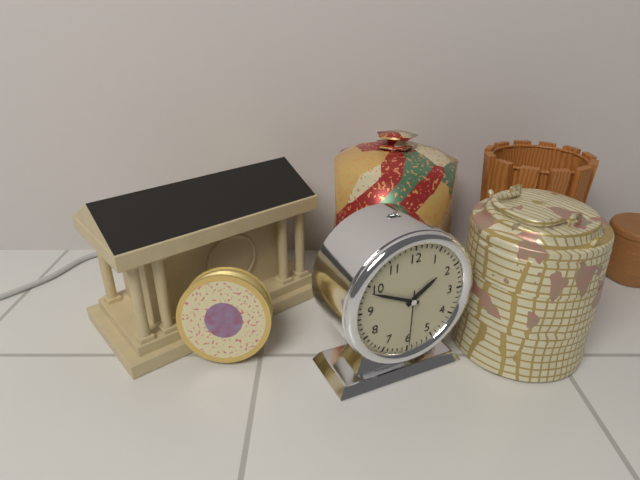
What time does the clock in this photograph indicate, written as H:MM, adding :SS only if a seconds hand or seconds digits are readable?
1:49:30
